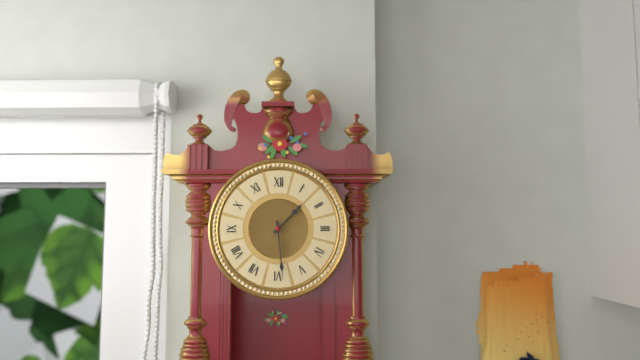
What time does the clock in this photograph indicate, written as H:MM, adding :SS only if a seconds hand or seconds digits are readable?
1:29
